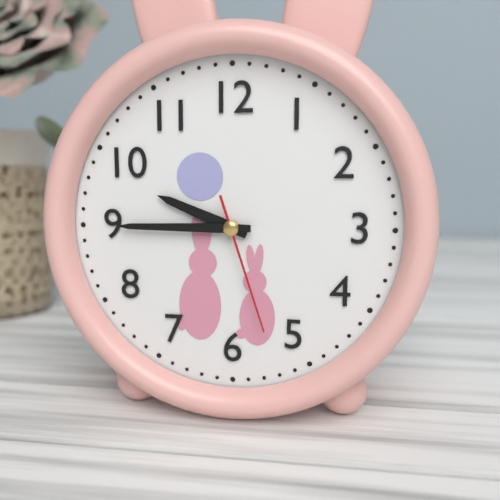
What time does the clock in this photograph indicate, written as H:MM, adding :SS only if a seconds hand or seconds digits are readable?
9:45:27
